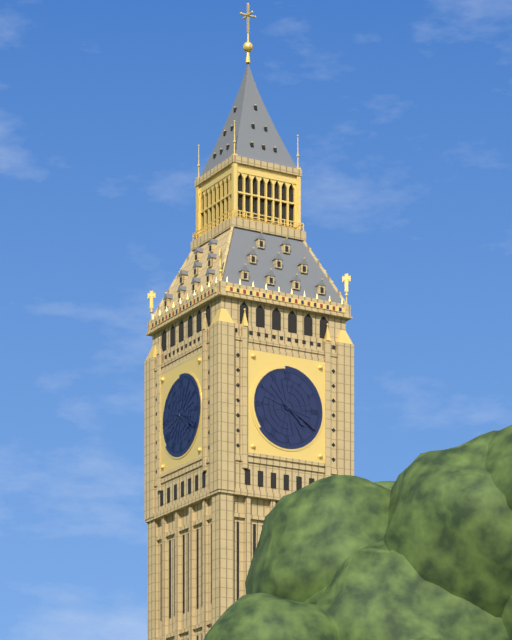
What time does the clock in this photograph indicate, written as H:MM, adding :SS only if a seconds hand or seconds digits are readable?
4:20
